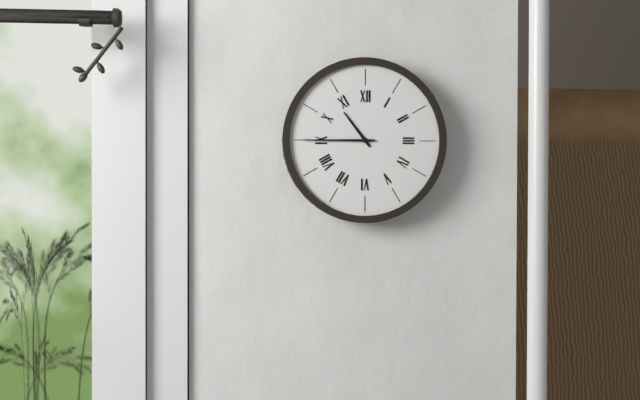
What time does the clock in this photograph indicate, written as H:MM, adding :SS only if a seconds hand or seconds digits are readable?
10:45
